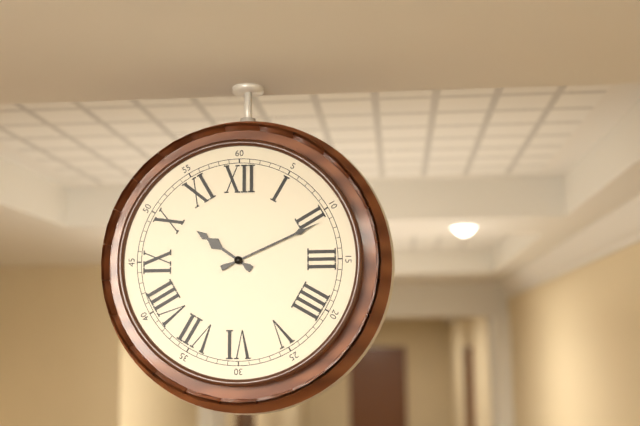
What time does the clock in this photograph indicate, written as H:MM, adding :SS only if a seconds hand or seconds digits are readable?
10:11
